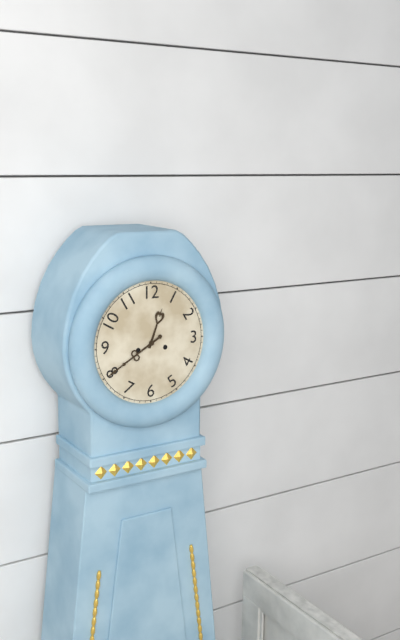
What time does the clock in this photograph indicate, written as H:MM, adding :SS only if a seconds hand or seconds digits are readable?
12:40
